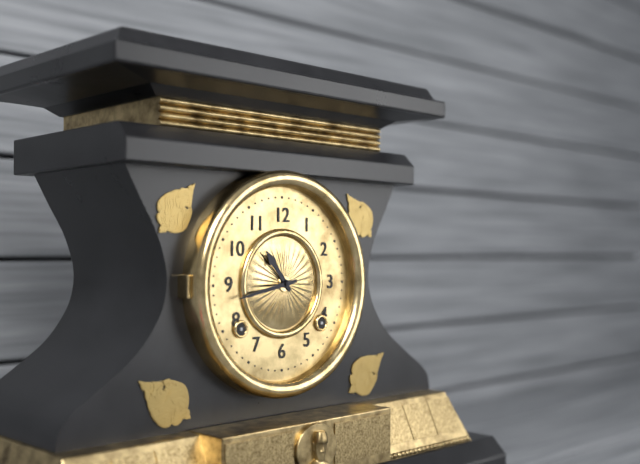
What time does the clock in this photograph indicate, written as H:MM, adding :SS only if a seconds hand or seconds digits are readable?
10:43
